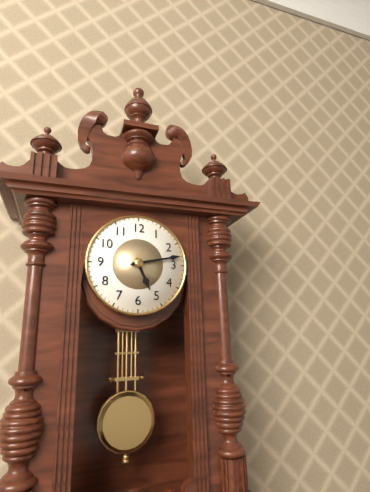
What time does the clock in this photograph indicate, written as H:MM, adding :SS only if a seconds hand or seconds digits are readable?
5:13
